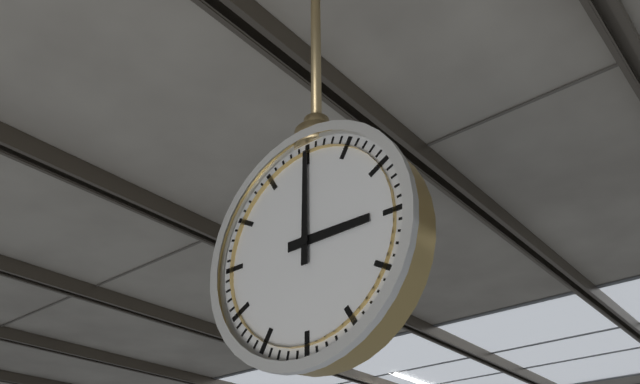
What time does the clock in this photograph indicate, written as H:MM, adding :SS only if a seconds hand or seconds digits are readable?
3:00
